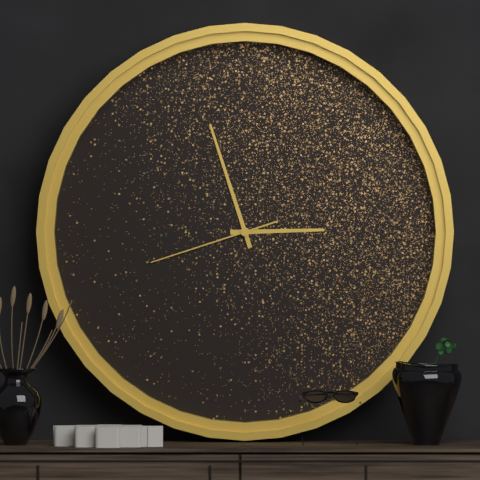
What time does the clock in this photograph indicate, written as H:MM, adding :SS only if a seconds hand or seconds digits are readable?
2:57:42
